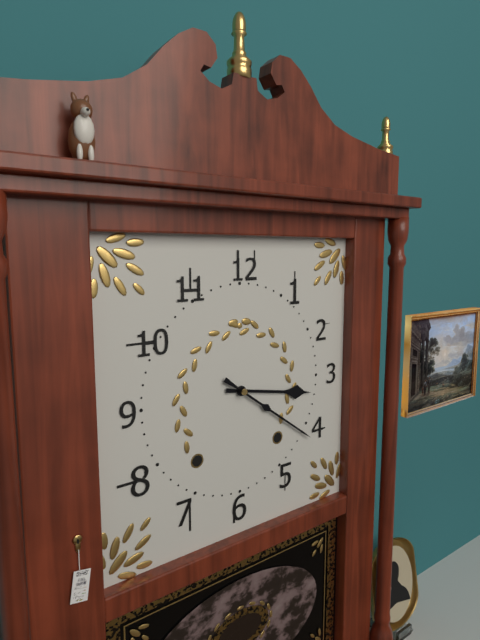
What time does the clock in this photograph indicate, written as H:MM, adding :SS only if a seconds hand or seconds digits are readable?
3:21
